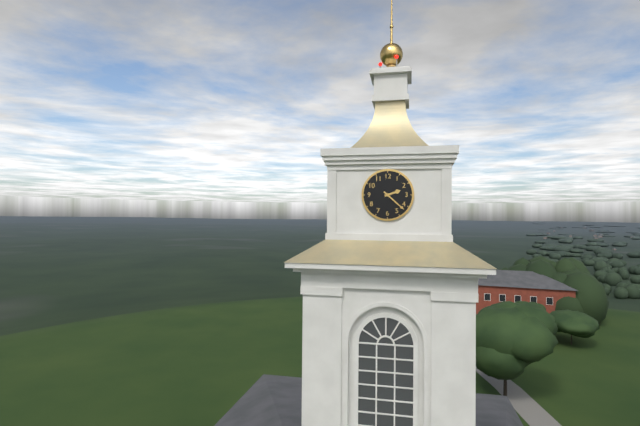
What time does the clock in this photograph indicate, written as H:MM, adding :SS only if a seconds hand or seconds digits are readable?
2:22
